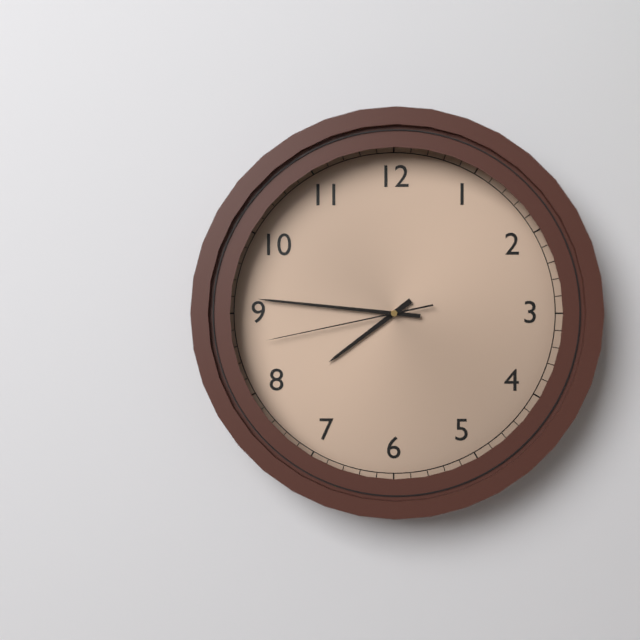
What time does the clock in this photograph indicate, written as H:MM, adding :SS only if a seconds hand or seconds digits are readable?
7:46:43
